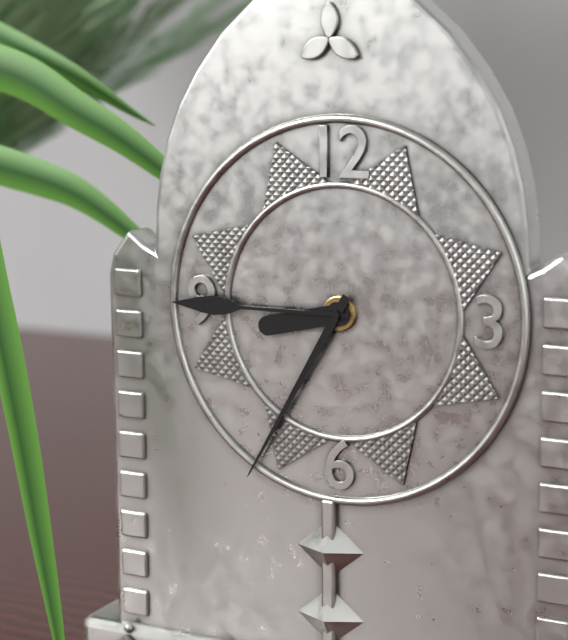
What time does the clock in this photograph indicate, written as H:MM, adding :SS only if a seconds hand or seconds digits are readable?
8:35:45
